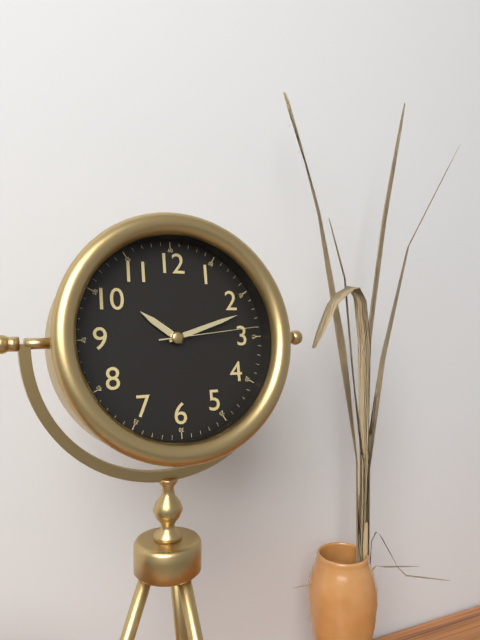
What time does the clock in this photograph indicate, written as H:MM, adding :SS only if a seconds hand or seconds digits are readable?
10:12:14
